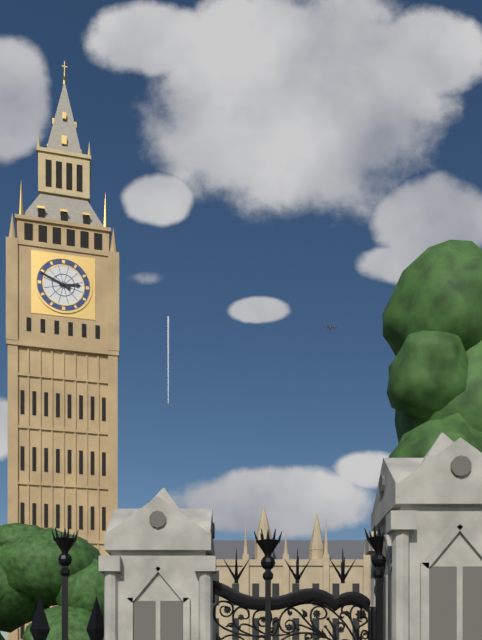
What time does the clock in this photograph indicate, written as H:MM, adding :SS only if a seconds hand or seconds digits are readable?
2:49
